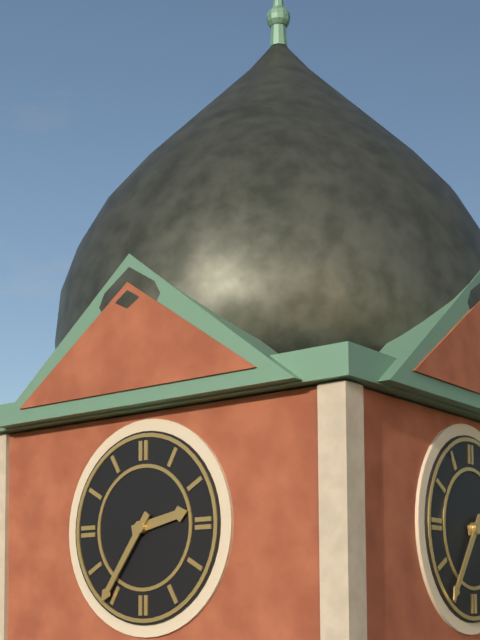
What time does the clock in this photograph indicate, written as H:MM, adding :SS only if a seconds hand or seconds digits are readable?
2:36
